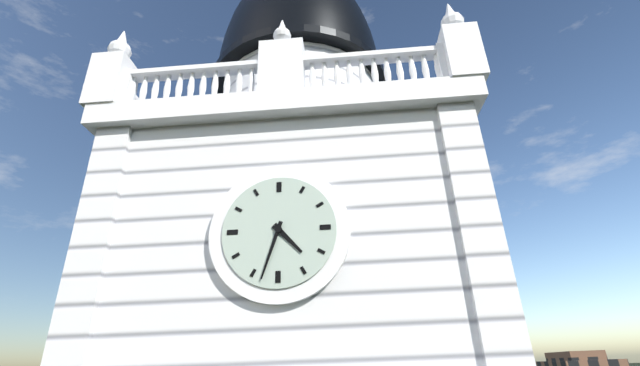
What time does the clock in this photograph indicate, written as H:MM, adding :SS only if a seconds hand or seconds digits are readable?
4:33
